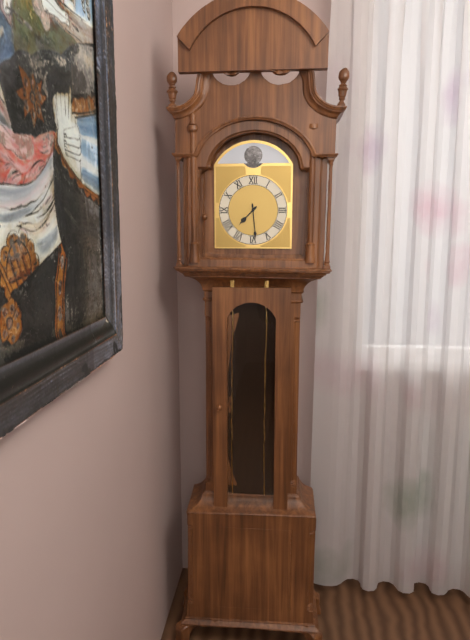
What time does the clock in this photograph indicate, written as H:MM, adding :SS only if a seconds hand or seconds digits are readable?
7:29
